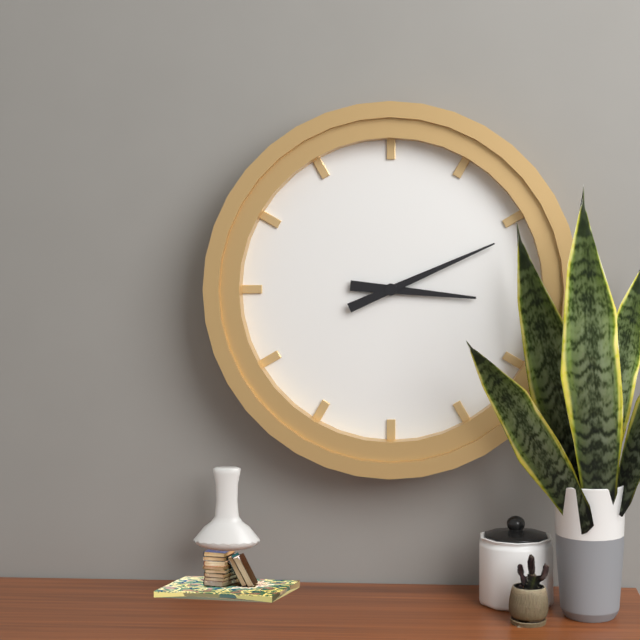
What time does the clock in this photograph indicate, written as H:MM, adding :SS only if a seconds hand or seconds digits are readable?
3:11
